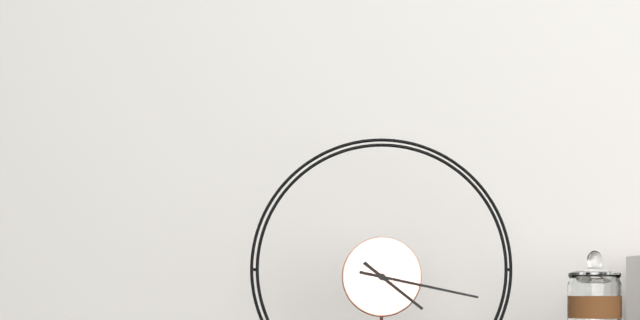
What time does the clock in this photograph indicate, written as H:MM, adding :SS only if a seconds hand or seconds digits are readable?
4:17
